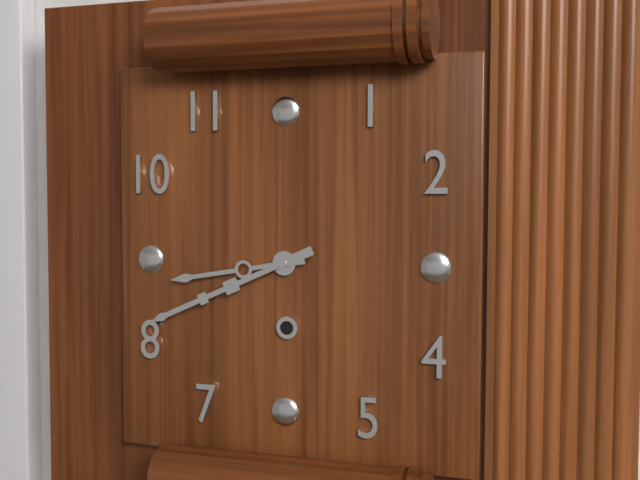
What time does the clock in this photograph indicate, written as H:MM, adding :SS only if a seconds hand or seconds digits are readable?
8:41
